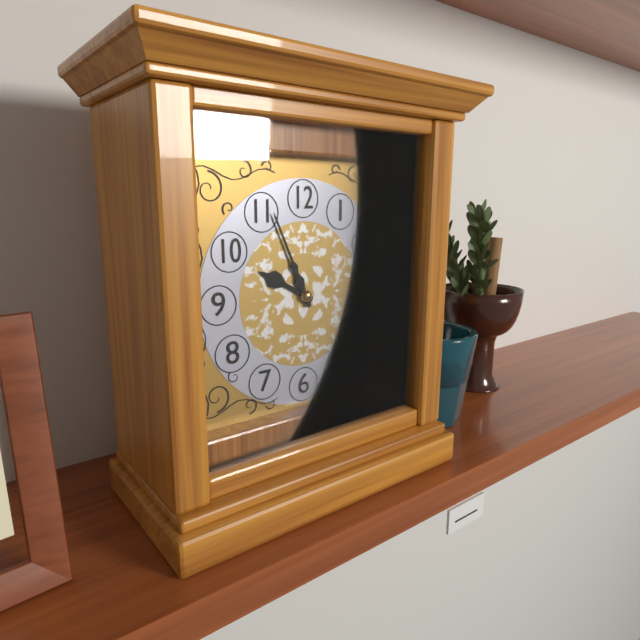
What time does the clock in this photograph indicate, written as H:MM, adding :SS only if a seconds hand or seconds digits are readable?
9:56
